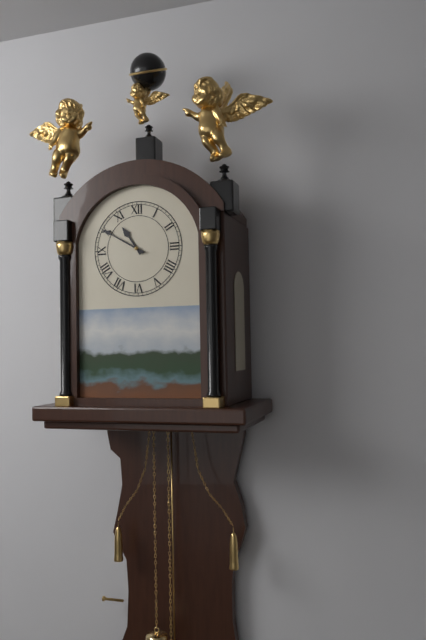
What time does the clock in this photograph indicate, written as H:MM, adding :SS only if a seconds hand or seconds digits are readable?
10:50
